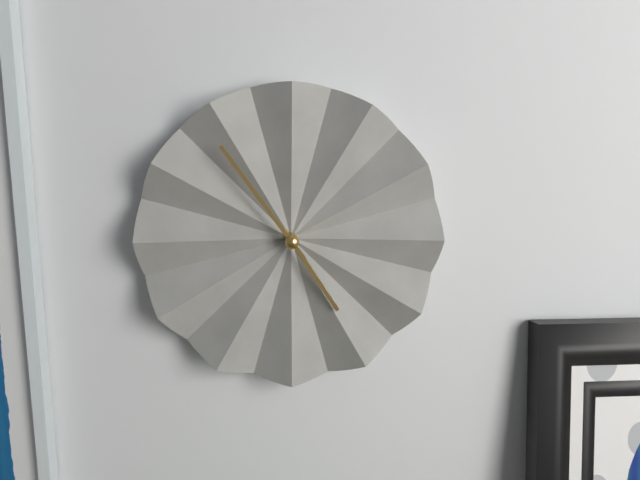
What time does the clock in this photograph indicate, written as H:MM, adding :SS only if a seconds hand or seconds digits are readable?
4:54
